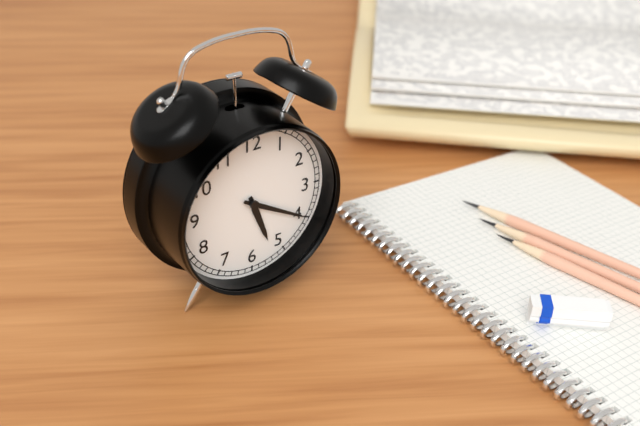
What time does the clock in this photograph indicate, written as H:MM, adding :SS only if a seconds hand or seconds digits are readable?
5:20
